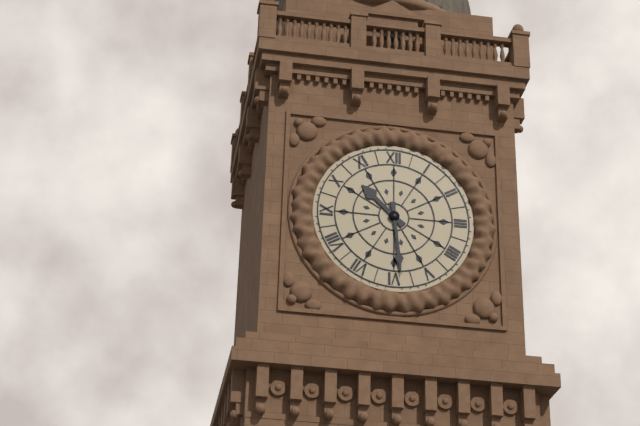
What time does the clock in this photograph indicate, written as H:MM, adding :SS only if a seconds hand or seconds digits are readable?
10:29
